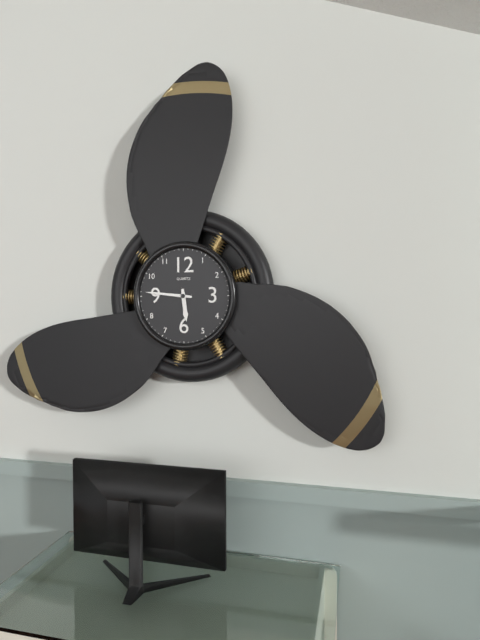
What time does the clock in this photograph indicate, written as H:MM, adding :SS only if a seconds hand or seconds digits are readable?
5:46
